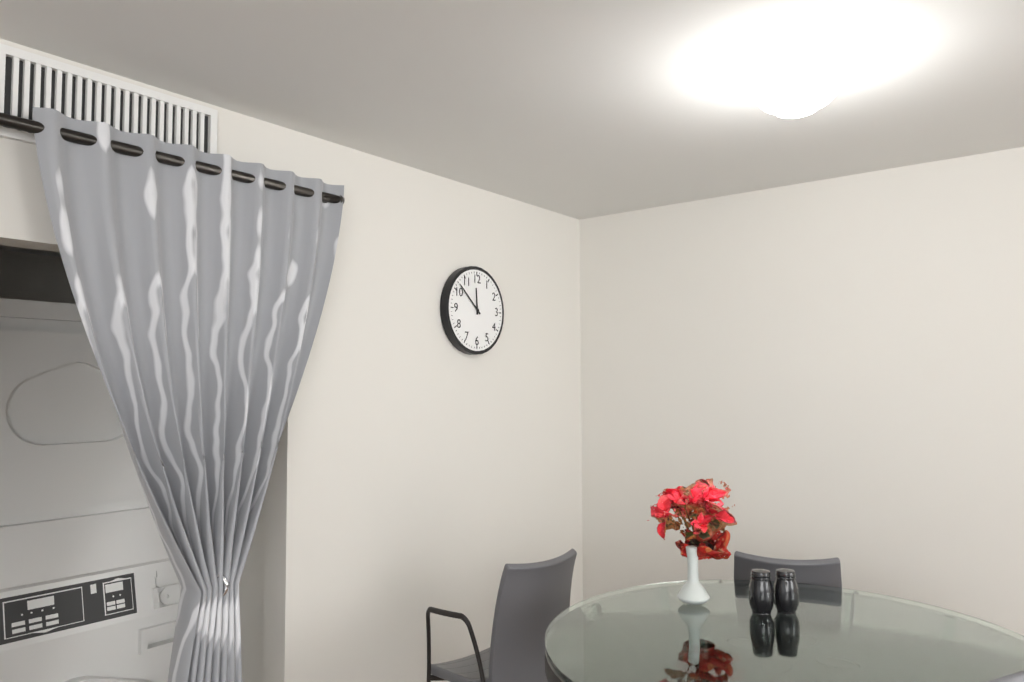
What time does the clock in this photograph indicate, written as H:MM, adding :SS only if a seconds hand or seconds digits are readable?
11:52
